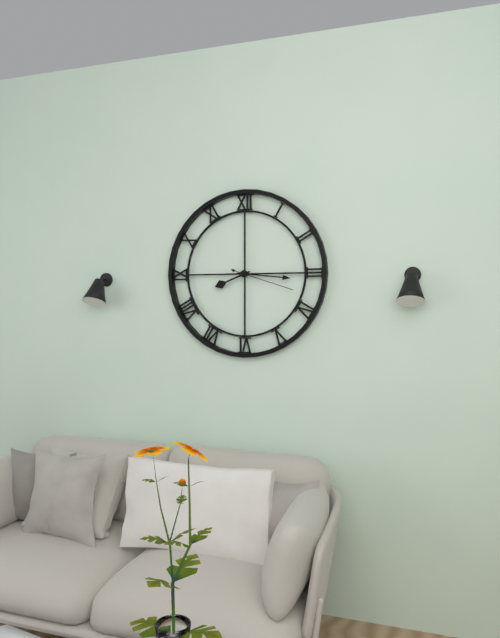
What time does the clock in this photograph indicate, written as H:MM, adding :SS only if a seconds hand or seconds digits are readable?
8:16:18
